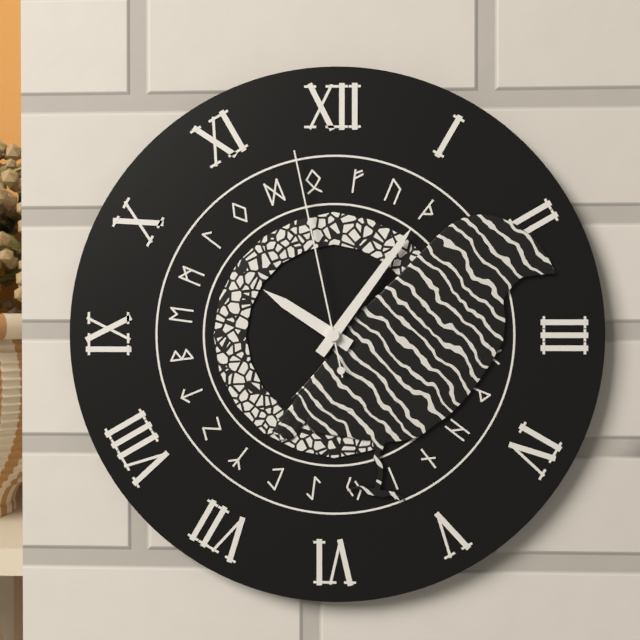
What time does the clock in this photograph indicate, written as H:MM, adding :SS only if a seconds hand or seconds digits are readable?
10:06:58
